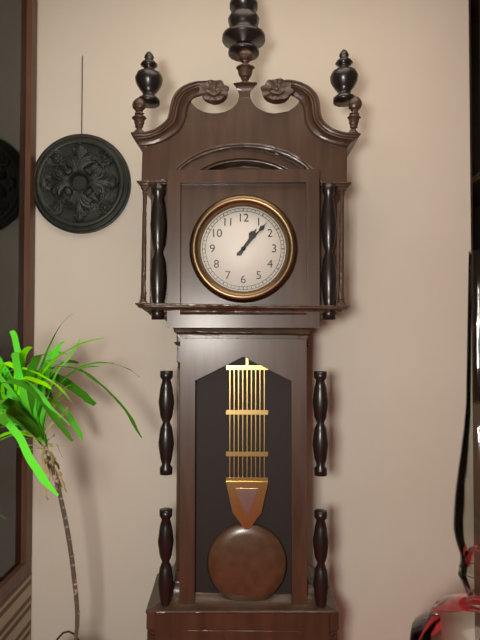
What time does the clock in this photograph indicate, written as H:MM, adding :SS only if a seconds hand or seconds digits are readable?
1:07
